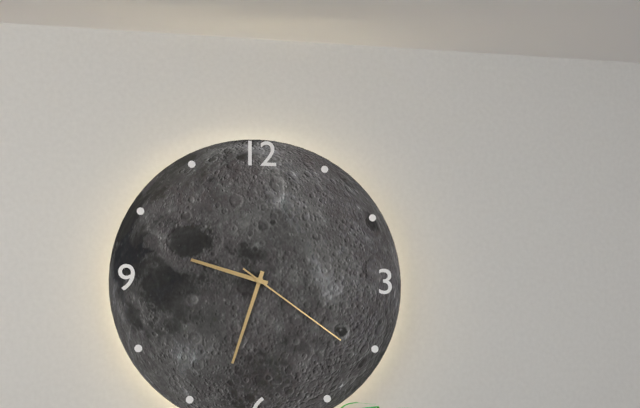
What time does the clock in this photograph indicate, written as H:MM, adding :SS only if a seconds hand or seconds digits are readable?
9:33:21
